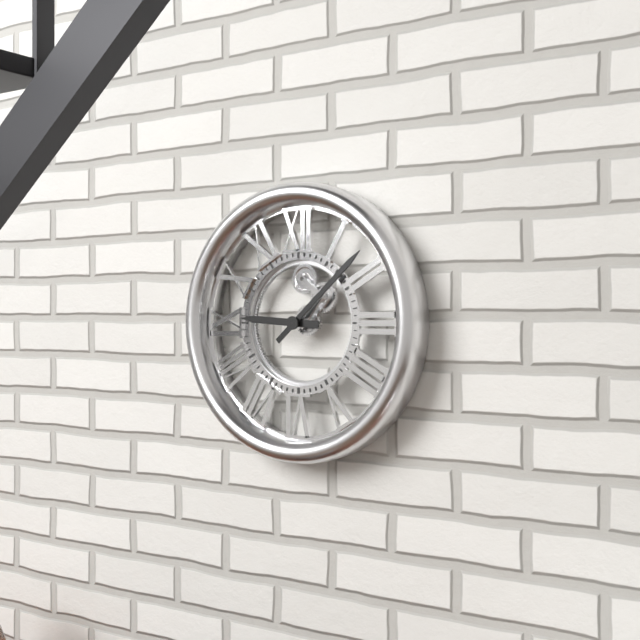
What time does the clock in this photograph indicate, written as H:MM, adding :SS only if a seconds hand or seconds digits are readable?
9:08
